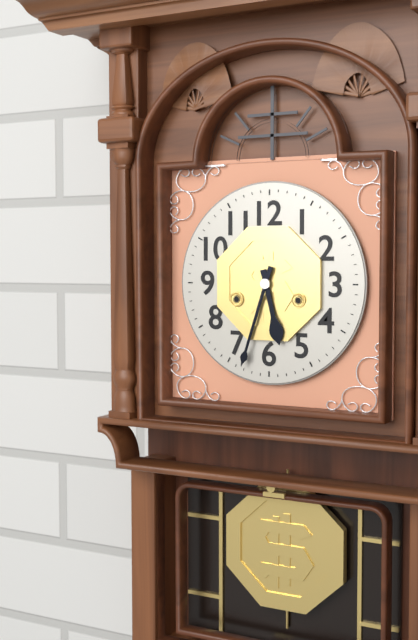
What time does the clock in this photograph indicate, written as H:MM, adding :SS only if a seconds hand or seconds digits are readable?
5:33
